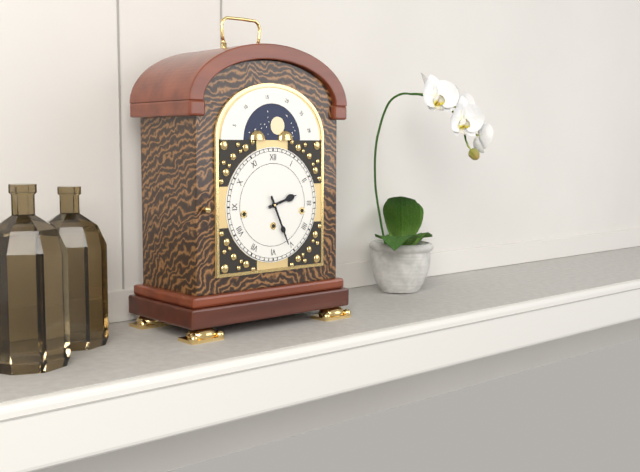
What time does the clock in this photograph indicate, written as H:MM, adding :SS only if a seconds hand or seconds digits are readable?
2:26
